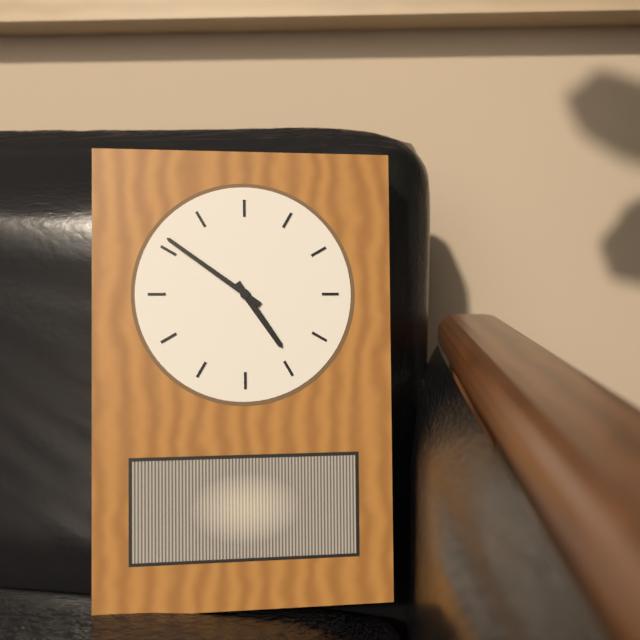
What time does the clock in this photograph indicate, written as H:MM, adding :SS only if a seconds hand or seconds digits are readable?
4:51
